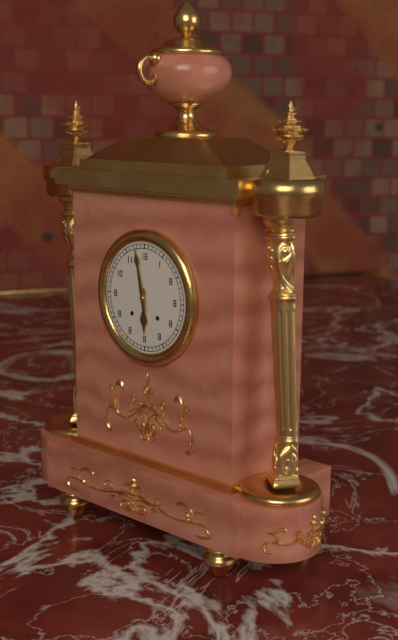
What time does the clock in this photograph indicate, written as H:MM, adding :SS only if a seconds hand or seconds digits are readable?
5:58
